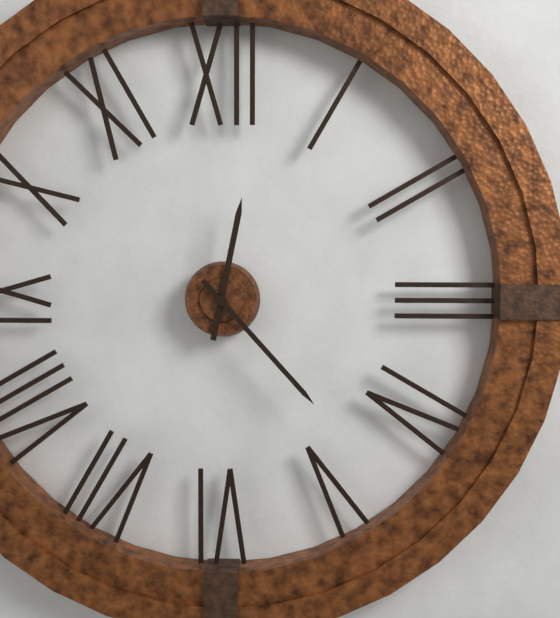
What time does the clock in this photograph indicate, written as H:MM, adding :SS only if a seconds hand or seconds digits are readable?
12:23
